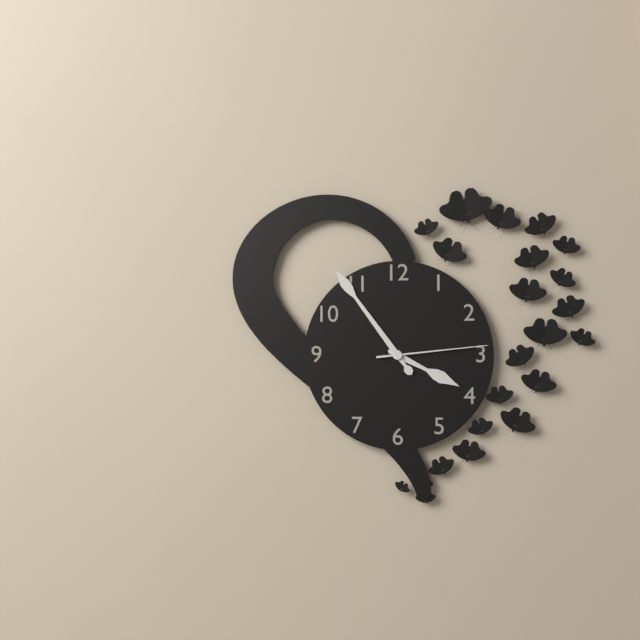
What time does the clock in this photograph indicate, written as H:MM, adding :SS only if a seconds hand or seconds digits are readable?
3:54:14
